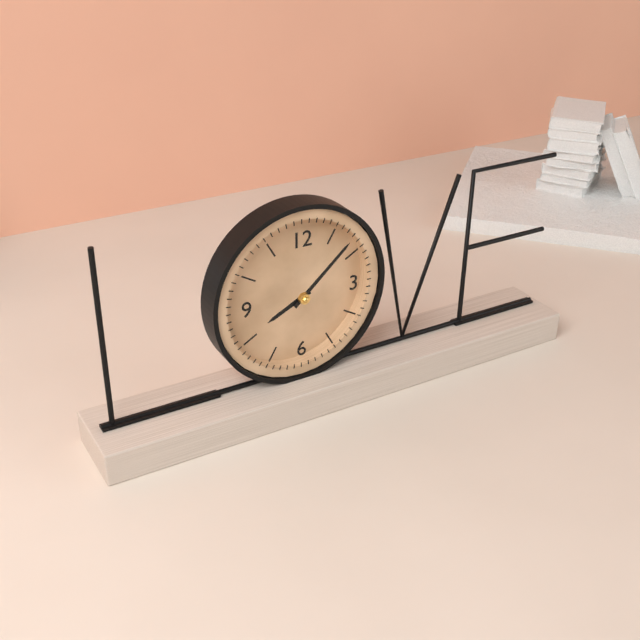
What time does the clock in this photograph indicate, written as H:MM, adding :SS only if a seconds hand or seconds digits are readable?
8:08
